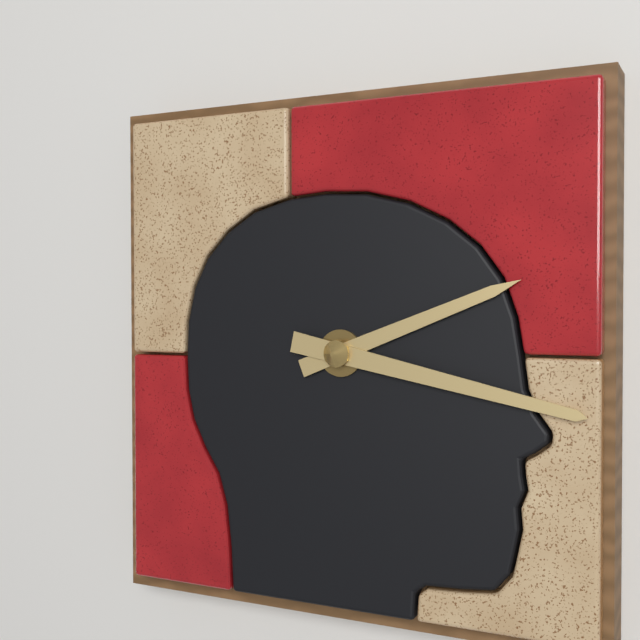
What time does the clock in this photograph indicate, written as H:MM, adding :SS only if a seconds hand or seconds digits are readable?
2:17
